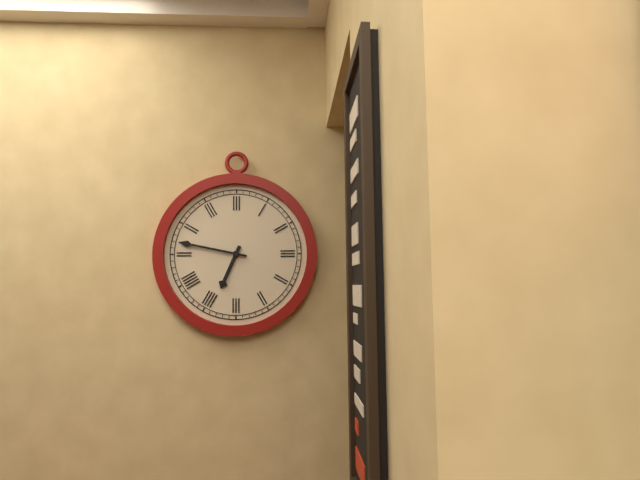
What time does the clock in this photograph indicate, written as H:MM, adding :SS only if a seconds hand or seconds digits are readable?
6:47
